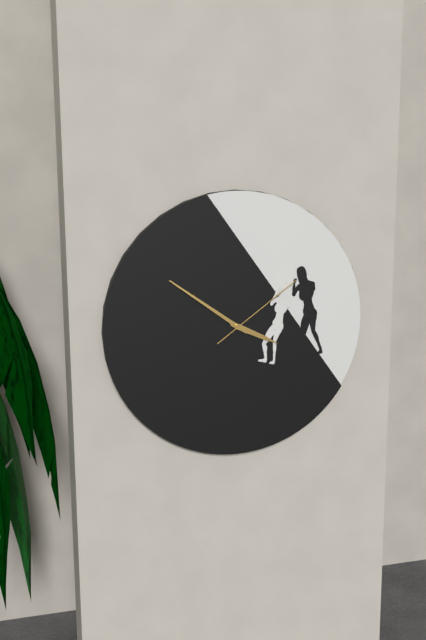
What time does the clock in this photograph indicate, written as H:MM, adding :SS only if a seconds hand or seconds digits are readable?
3:51:09
